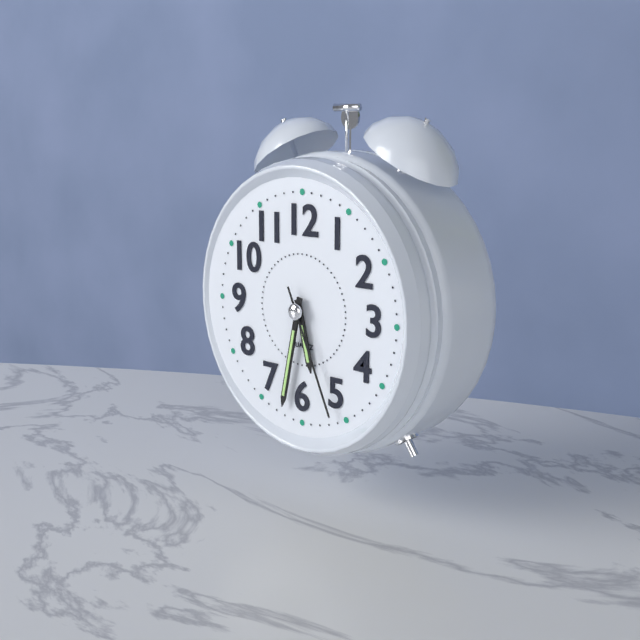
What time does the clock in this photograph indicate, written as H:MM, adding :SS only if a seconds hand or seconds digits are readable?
5:32:26
